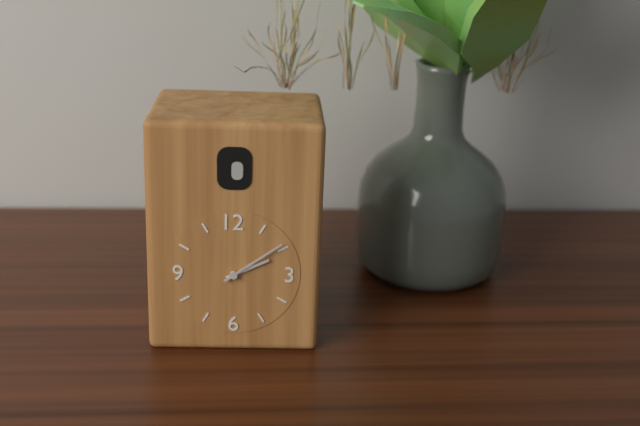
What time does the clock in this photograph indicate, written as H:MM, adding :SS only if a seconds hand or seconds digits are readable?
2:09
